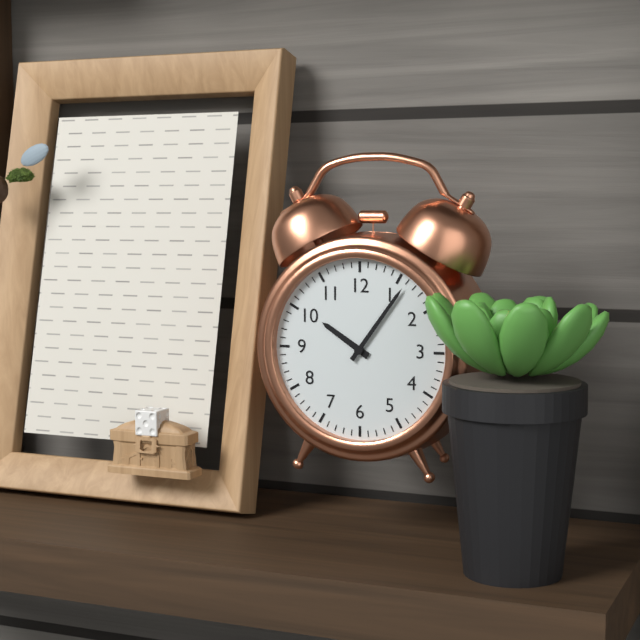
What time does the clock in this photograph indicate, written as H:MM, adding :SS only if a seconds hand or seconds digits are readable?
10:06
